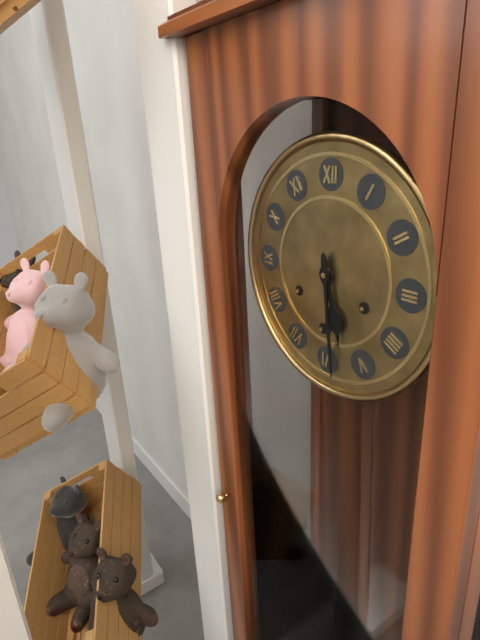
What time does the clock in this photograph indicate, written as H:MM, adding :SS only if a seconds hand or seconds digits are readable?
5:29
